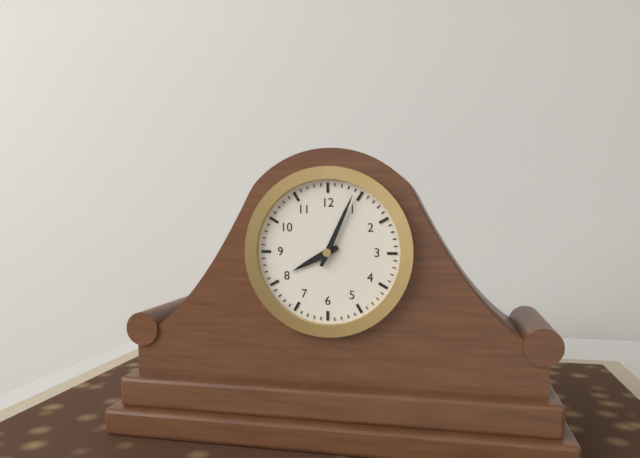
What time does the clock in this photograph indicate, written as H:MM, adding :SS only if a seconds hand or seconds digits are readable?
8:04
